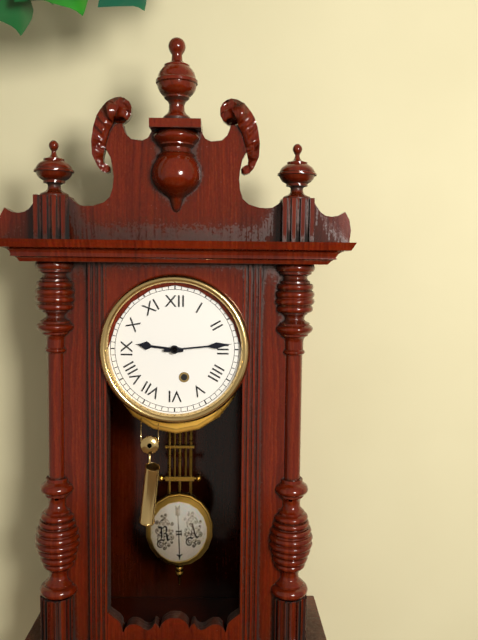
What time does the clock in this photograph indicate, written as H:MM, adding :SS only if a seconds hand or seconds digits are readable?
9:14
